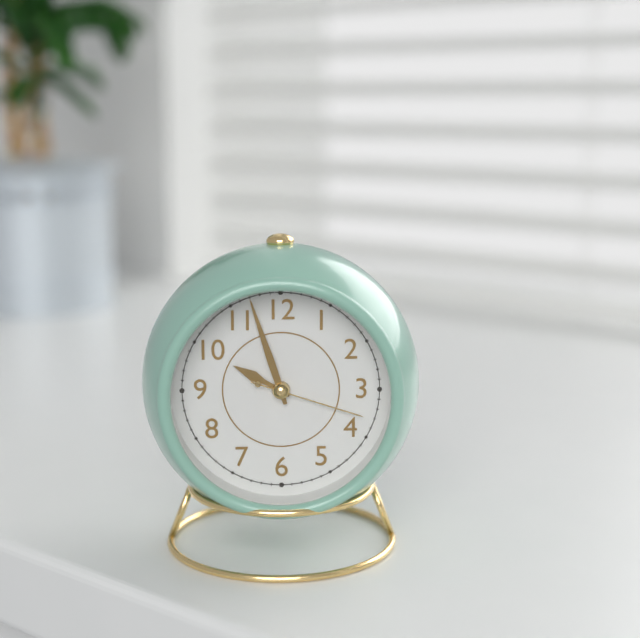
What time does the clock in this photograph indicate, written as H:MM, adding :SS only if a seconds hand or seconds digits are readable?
9:57:18
